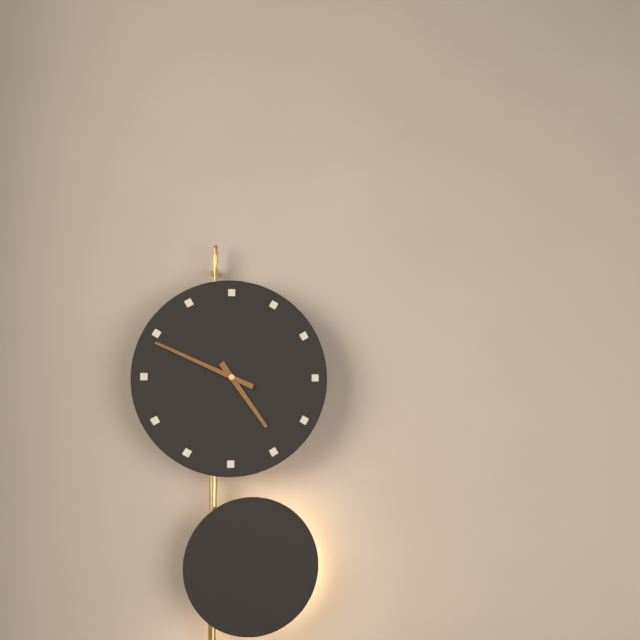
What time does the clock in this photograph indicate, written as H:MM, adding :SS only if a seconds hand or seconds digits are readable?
4:49
